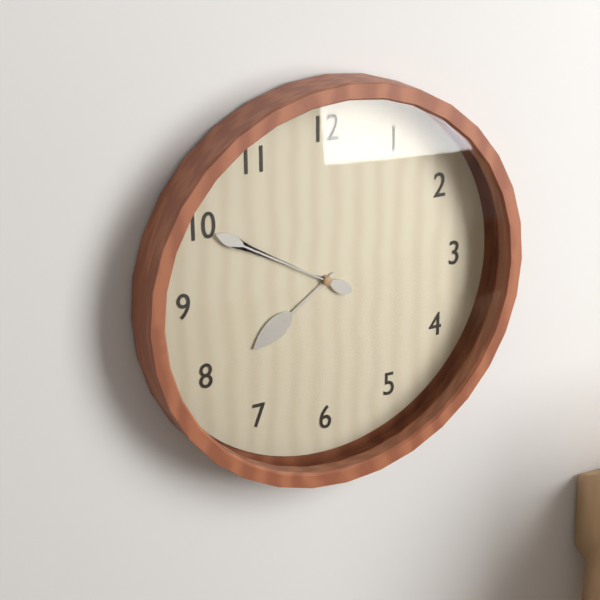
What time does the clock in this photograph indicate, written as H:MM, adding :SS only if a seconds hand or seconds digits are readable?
7:50
